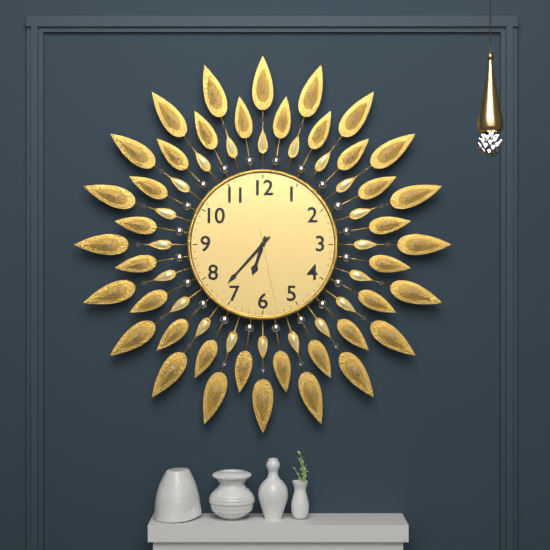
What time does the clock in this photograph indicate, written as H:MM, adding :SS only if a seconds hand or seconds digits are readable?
6:37:28
